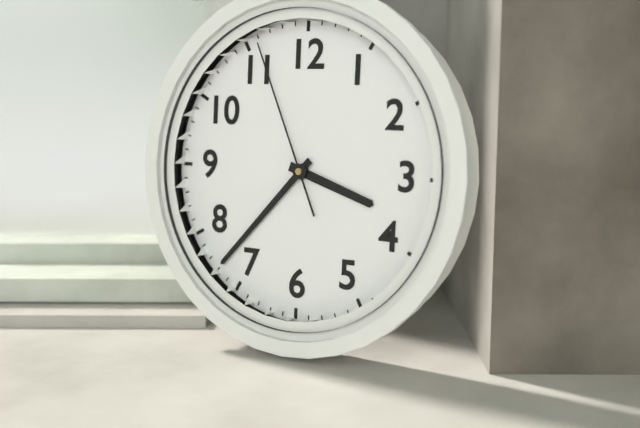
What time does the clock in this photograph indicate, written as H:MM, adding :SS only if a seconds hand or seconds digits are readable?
3:37:56
